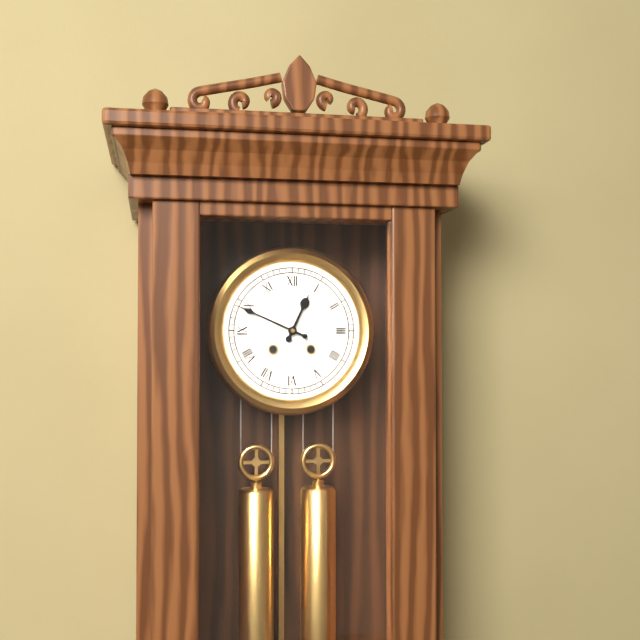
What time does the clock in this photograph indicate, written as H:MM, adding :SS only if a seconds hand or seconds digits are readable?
12:49
